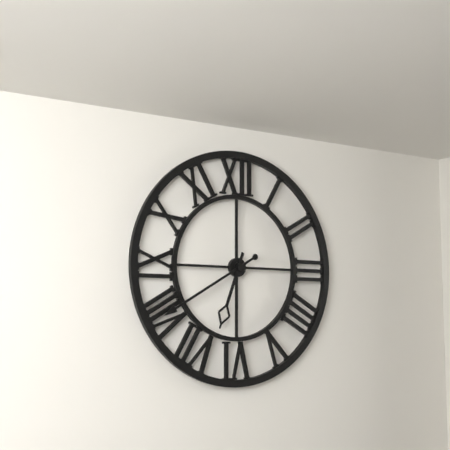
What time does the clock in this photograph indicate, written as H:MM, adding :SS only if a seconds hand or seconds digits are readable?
6:40
